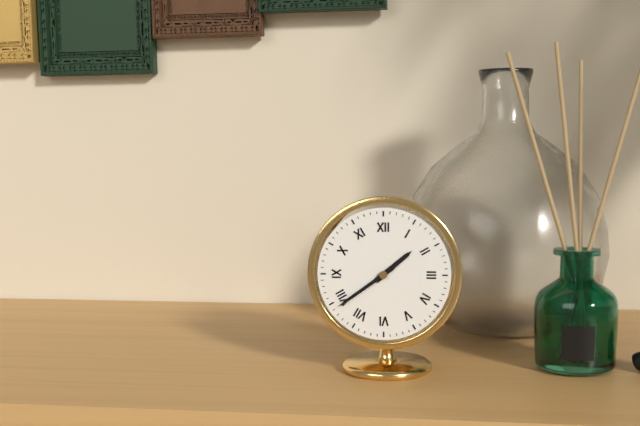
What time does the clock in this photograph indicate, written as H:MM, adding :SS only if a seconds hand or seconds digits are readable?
1:39
